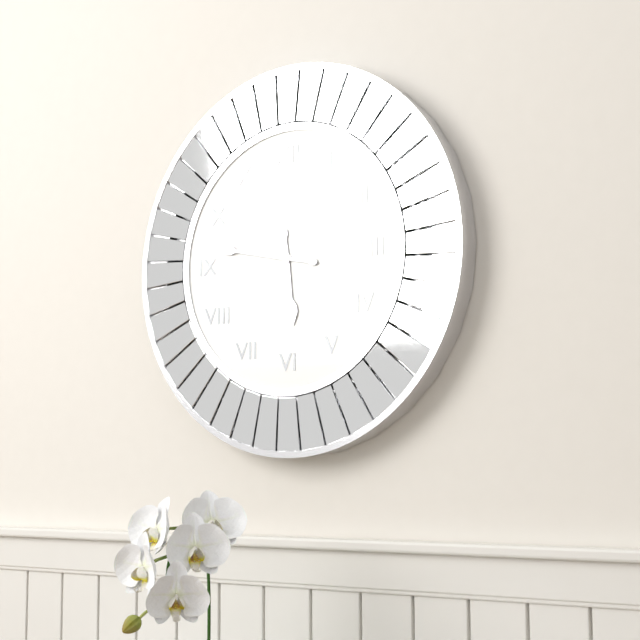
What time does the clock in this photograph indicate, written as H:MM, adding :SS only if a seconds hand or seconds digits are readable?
5:47
